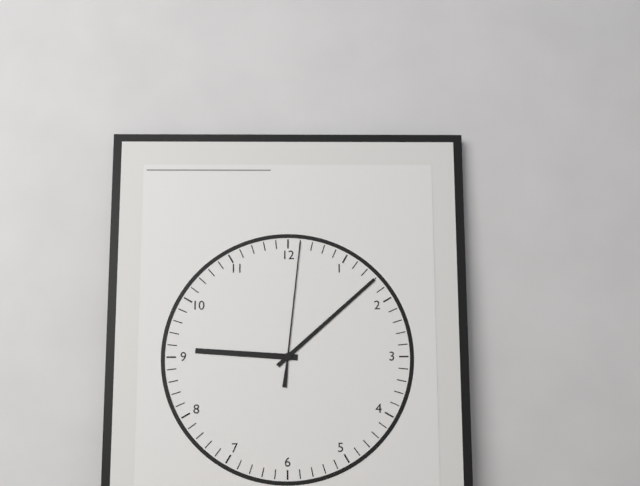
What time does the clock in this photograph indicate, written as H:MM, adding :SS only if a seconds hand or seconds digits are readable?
9:08:01
